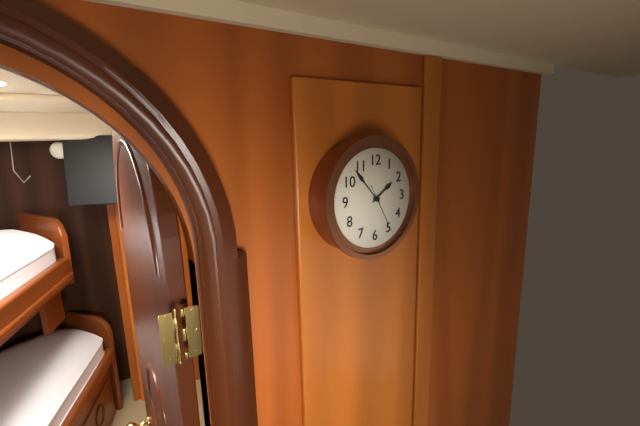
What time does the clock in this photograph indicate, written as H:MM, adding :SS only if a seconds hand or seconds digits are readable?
1:53
